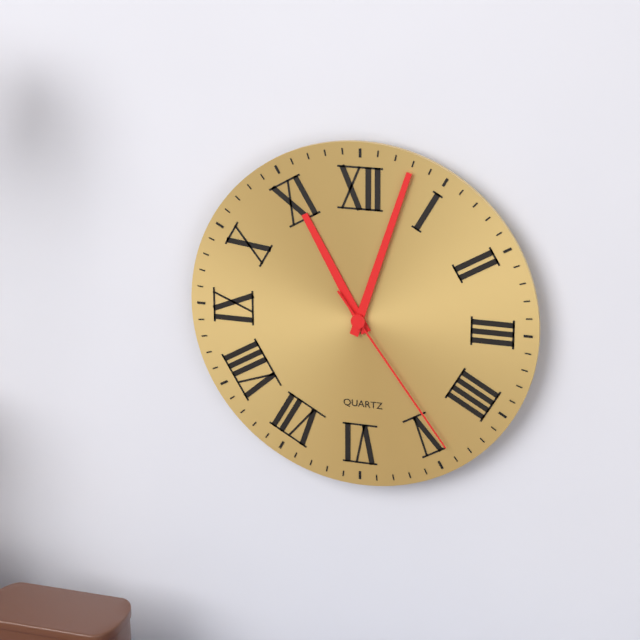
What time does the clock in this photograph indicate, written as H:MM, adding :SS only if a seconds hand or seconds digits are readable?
11:03:24
